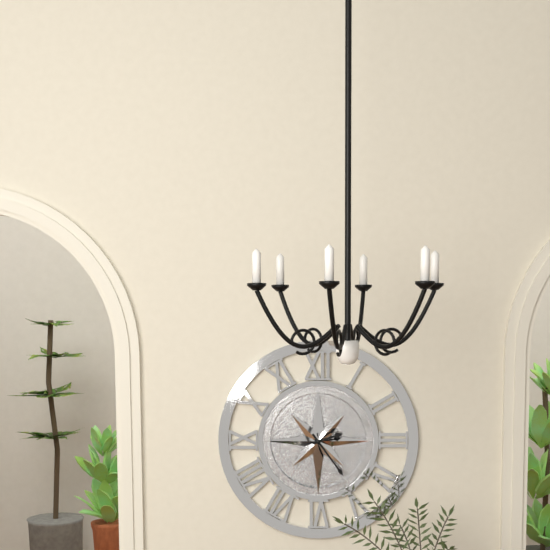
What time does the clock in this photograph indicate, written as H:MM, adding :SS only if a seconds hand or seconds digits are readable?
2:24
